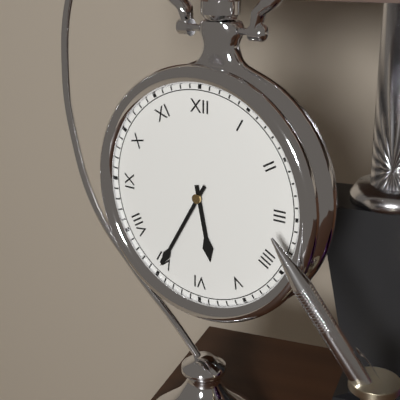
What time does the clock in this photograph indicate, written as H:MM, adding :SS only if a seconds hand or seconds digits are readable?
5:35
